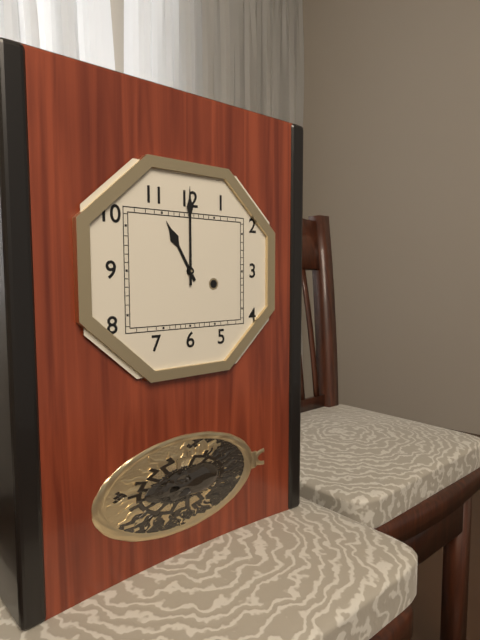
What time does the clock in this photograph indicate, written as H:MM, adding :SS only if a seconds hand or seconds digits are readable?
11:00
